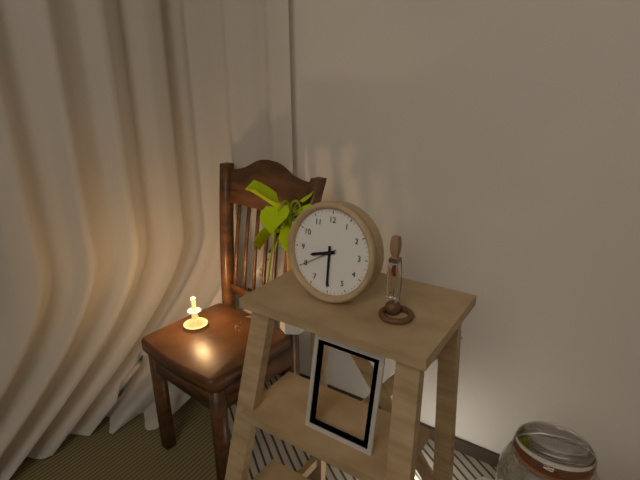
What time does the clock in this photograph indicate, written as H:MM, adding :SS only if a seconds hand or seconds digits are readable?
8:30
